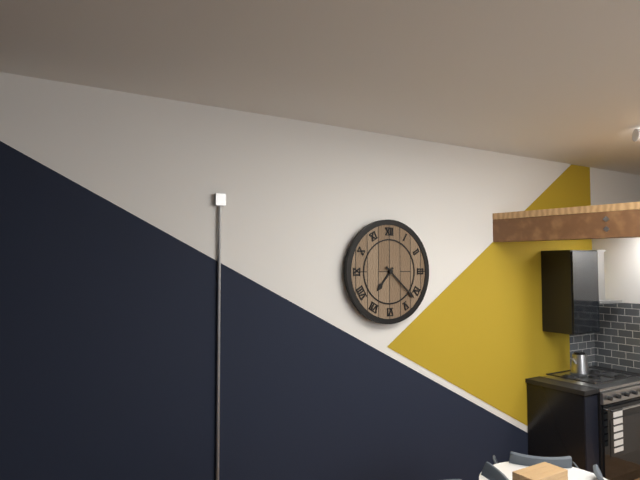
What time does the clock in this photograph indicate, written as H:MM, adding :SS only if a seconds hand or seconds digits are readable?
7:22
